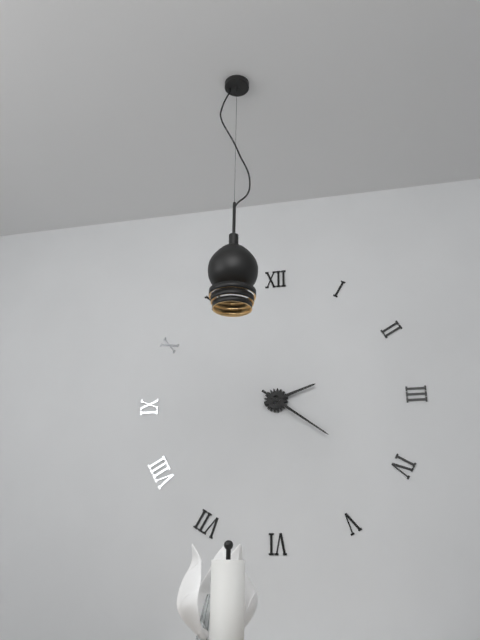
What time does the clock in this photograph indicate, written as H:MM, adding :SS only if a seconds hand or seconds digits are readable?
2:21
